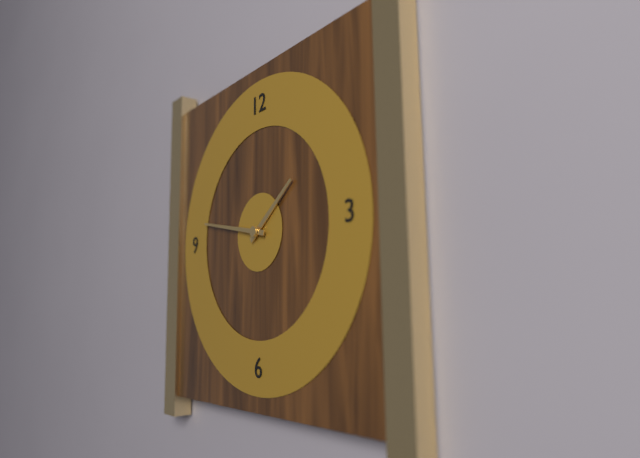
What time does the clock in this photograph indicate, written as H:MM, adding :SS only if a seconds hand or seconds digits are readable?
1:47
